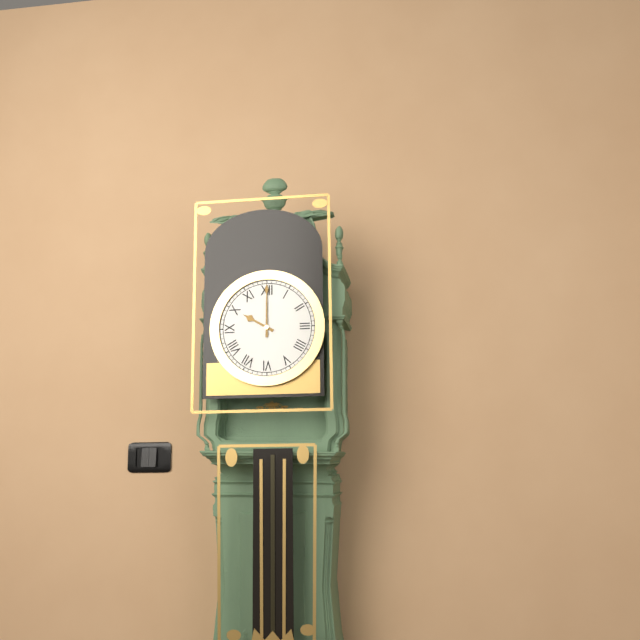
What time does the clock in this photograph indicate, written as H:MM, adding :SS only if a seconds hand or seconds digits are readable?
10:00
